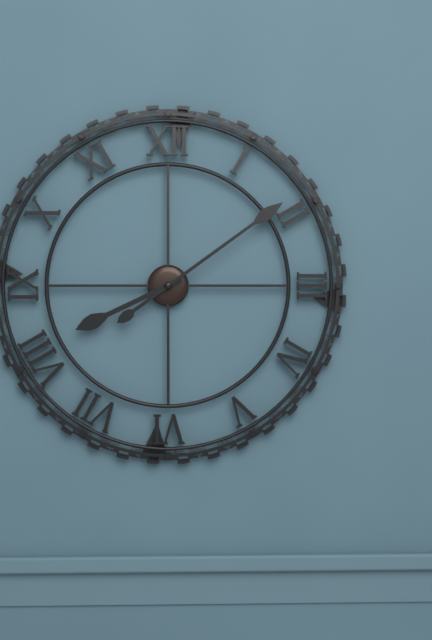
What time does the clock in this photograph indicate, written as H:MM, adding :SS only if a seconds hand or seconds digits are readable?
8:09
